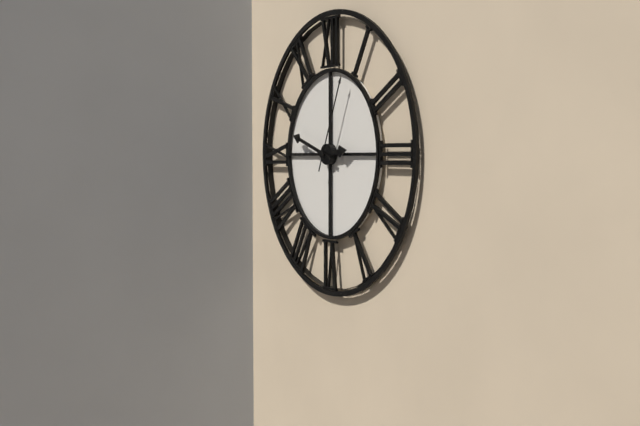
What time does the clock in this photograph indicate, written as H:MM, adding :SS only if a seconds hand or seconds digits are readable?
2:48:04
